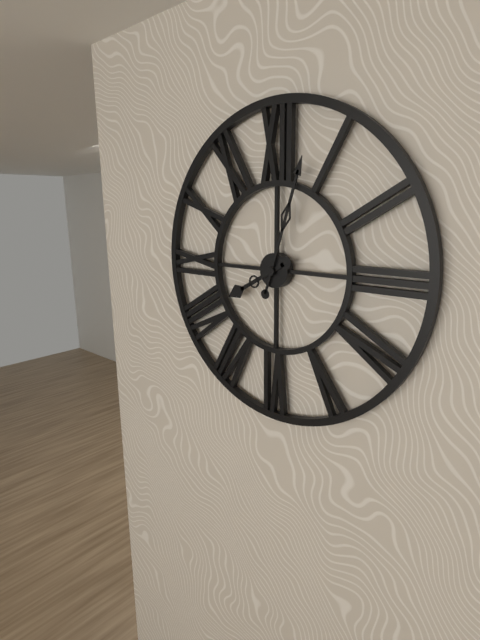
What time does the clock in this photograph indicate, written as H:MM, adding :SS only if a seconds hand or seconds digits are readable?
8:03
